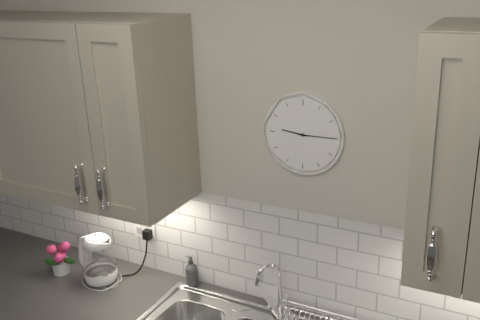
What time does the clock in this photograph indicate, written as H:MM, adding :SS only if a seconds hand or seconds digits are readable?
9:15
